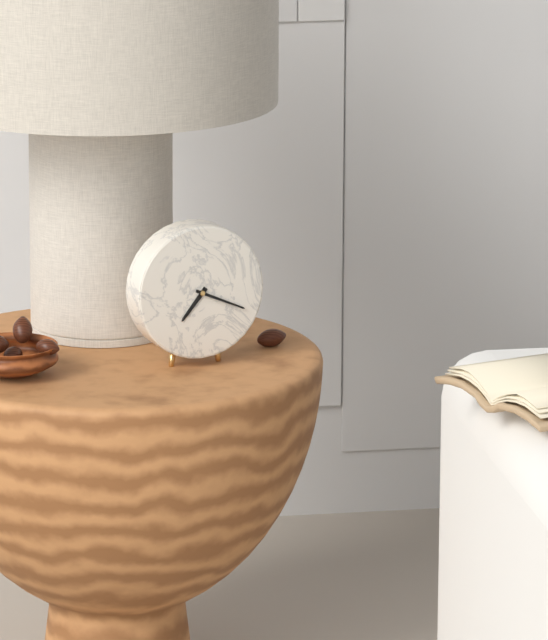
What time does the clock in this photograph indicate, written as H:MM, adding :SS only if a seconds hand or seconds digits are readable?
7:19
